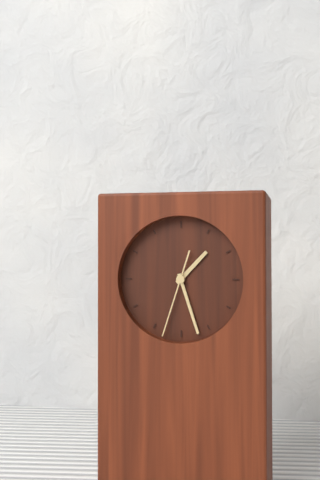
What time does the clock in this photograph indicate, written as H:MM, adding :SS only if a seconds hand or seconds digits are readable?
1:27:33
